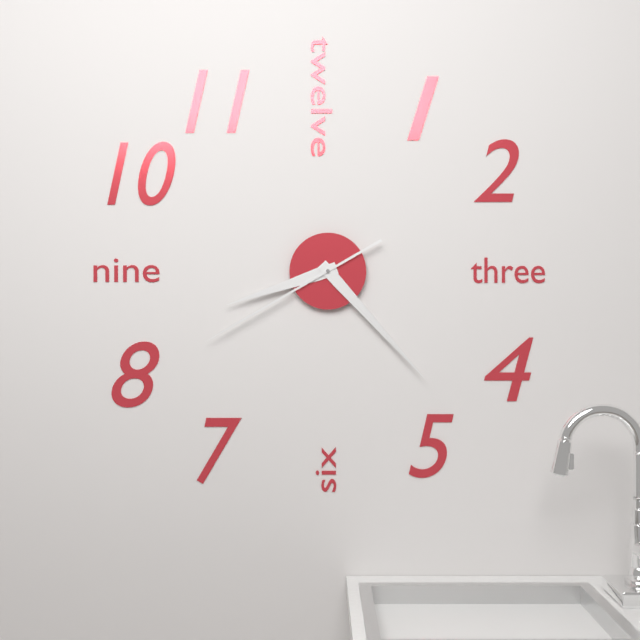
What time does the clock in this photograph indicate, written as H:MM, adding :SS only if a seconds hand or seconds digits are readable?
8:23:40
